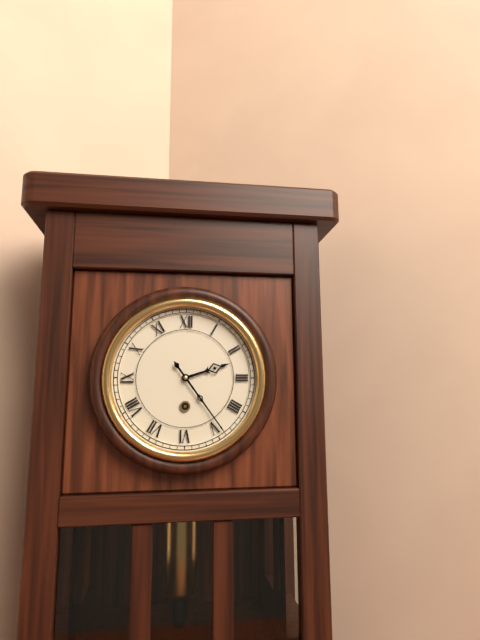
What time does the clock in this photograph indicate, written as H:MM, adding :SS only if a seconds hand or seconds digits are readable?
2:24
